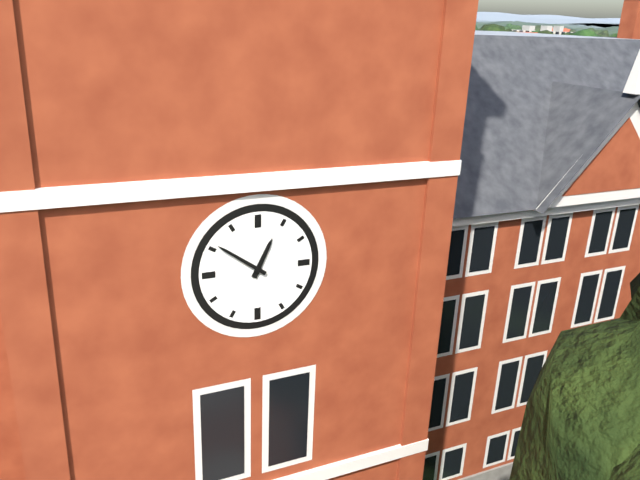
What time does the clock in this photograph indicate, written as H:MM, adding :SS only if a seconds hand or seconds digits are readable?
12:51
